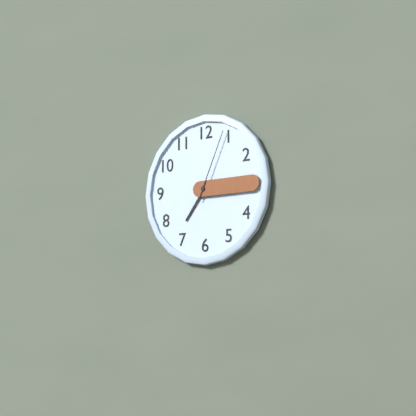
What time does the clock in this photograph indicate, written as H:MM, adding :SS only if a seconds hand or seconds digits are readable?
7:15:04
